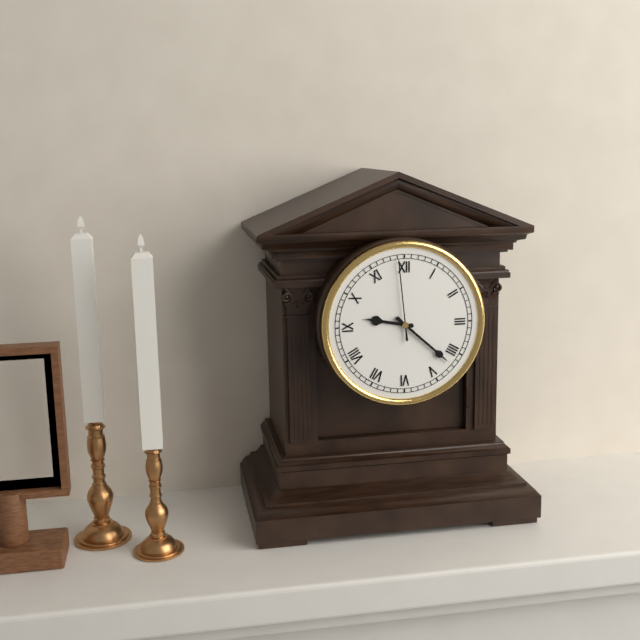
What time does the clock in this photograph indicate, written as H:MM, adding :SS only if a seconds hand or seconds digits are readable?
9:22:59
